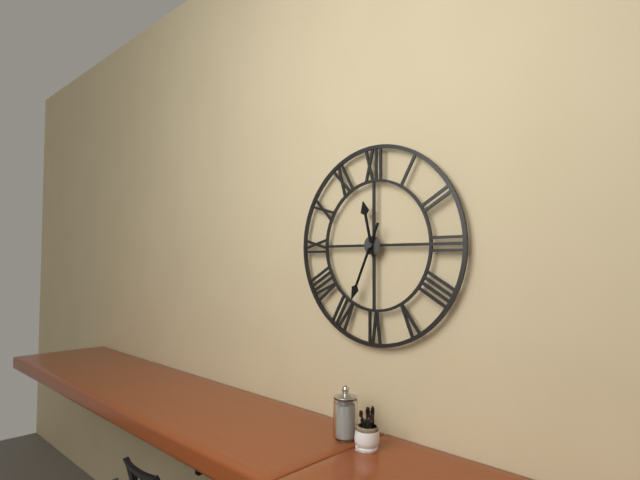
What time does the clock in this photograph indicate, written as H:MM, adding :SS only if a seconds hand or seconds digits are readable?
11:34
